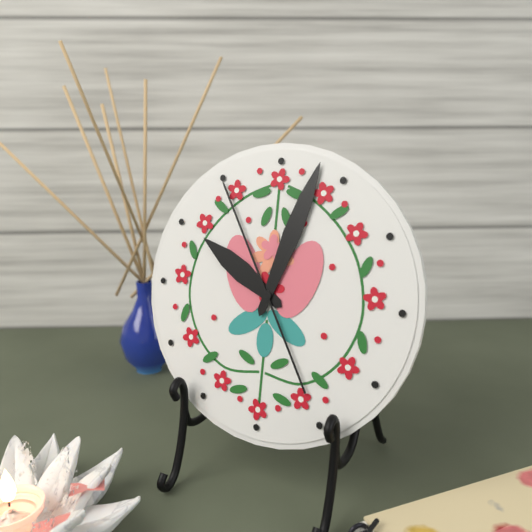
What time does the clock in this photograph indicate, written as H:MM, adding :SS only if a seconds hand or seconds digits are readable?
10:03:55
